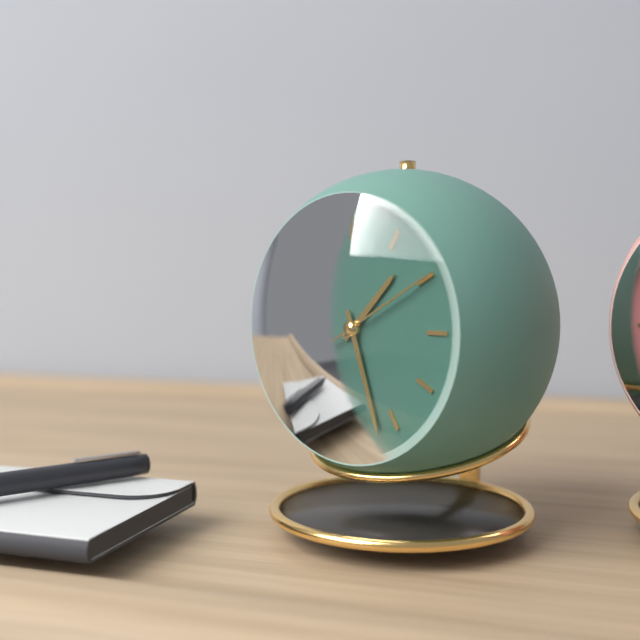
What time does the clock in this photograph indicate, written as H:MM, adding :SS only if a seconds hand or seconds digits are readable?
1:27:10
